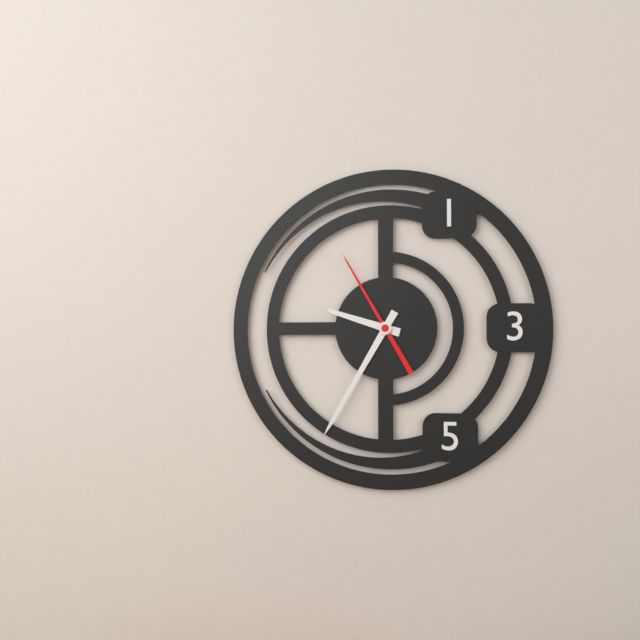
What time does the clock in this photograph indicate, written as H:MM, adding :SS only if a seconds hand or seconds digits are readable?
9:35:55
